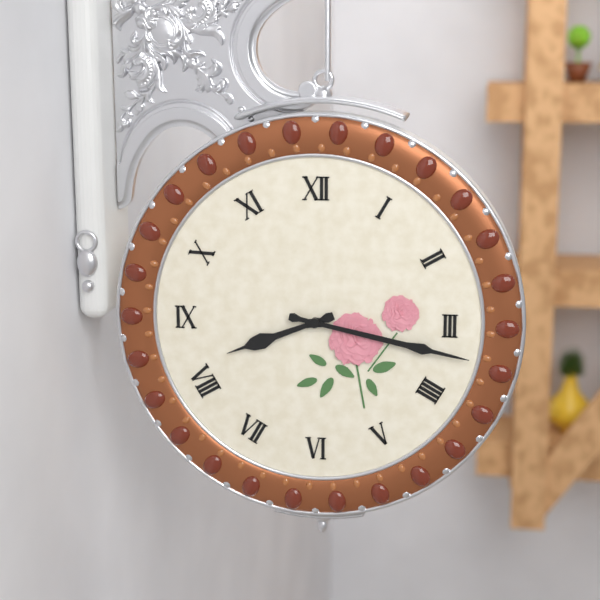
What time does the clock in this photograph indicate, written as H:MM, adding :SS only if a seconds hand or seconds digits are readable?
8:17
